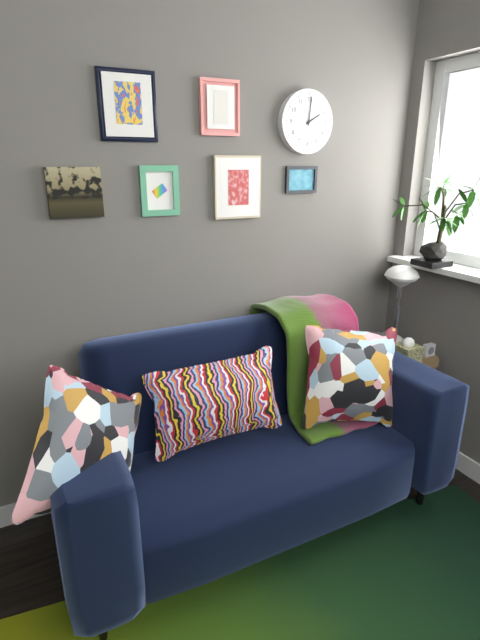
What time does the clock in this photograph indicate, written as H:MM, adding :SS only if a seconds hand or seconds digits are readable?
2:01
